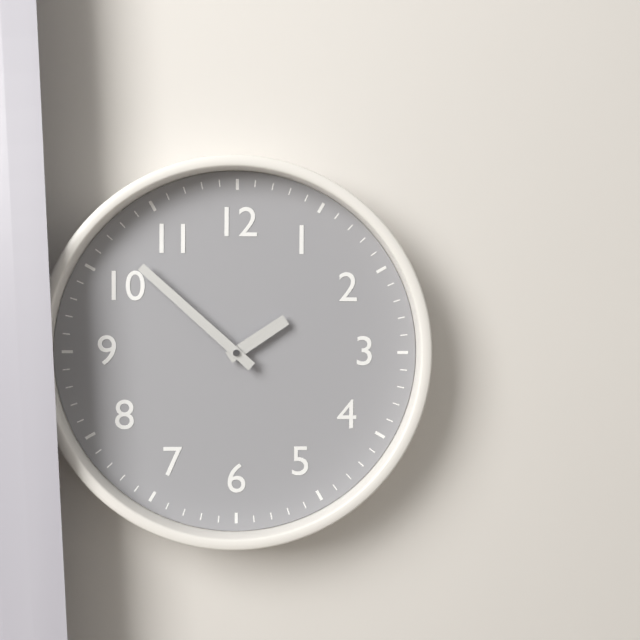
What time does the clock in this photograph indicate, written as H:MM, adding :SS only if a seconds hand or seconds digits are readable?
1:52
